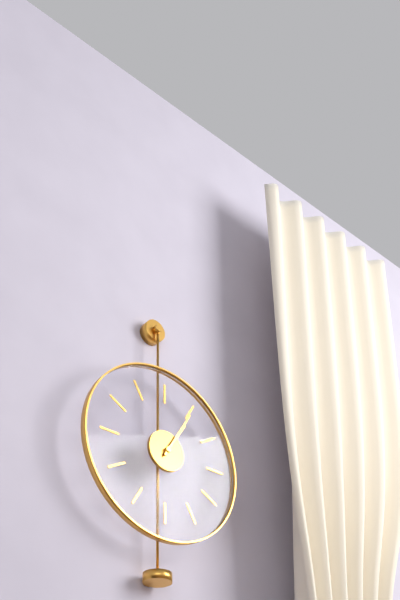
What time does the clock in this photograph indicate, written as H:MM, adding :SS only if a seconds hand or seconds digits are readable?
1:05
